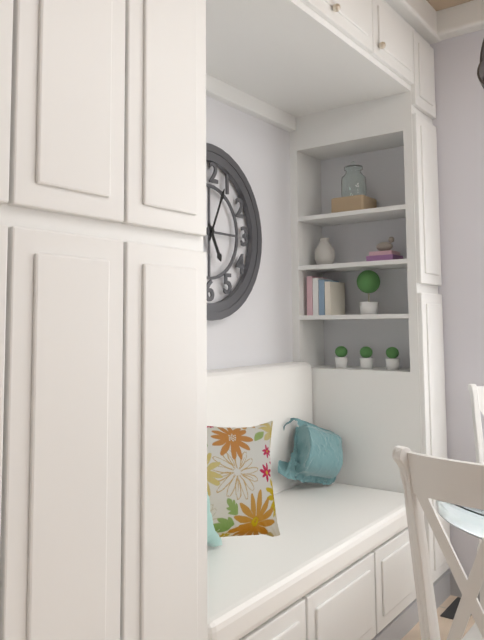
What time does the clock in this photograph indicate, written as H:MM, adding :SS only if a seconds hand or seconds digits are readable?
5:04
